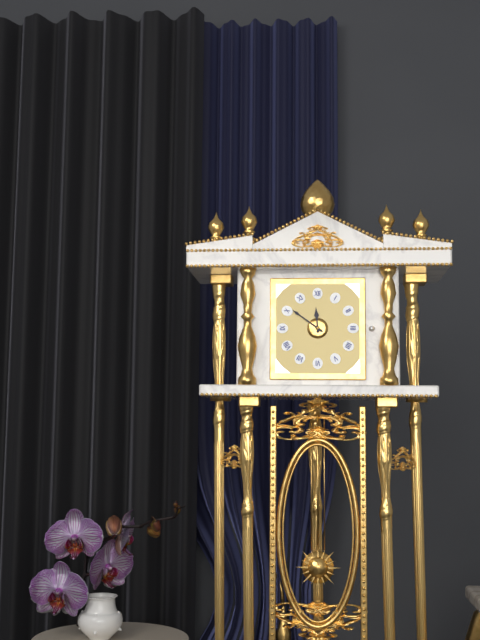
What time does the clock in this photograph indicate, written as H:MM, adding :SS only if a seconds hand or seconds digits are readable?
11:51
